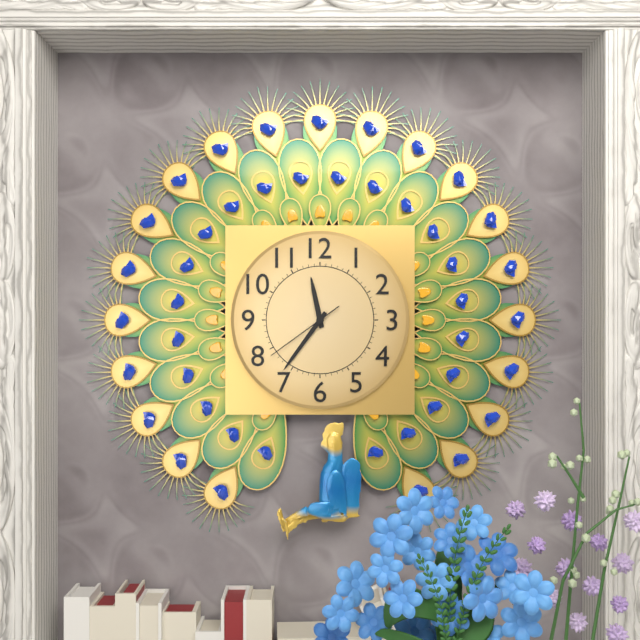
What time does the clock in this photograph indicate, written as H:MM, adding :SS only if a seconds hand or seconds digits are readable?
11:36:39
